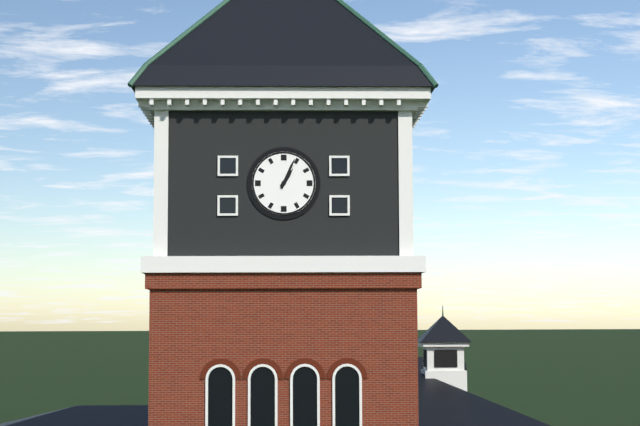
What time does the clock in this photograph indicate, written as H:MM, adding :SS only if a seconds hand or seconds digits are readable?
1:04
